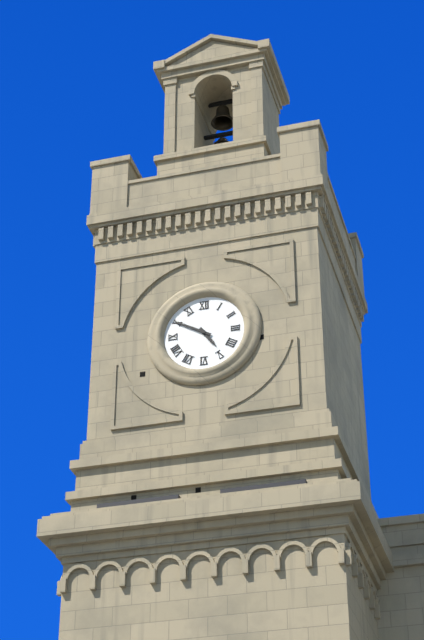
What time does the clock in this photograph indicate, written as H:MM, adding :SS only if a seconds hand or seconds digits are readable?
4:50
